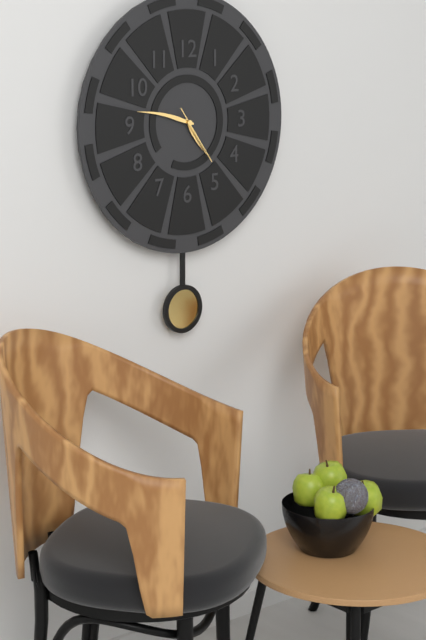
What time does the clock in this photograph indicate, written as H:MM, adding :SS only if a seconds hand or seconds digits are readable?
4:47:24
